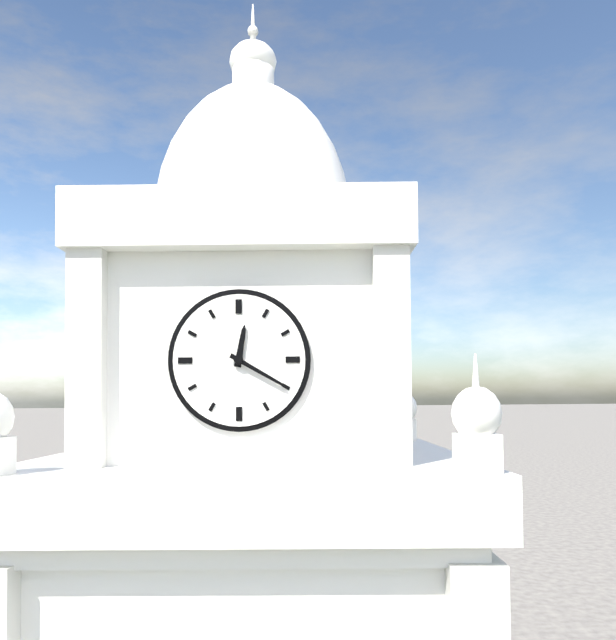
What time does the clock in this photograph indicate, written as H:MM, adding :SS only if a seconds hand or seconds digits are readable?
12:20
